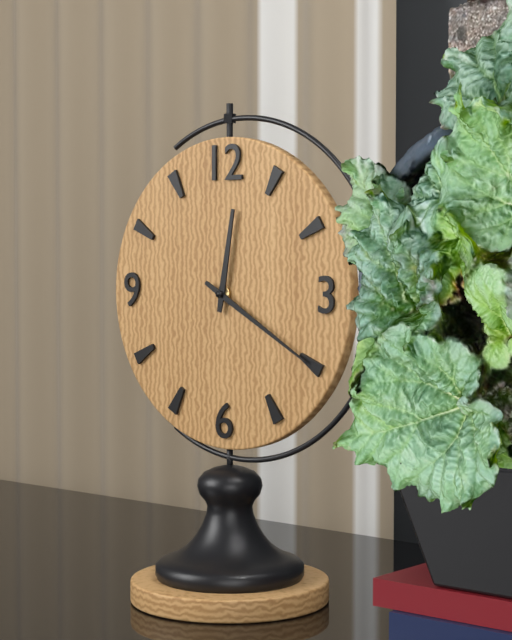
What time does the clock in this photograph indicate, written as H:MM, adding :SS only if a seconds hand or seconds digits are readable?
12:20
